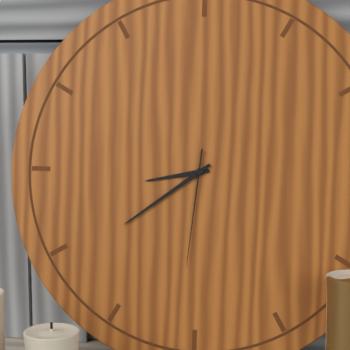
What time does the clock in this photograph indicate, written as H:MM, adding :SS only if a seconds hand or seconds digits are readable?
8:39:31
